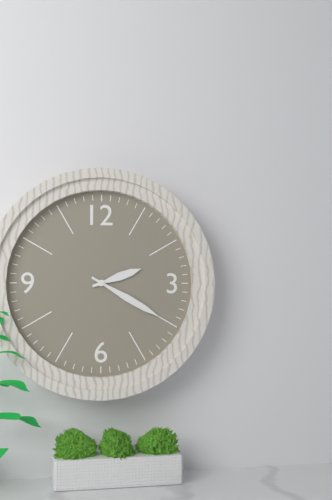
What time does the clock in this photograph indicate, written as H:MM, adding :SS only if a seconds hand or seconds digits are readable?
2:20
